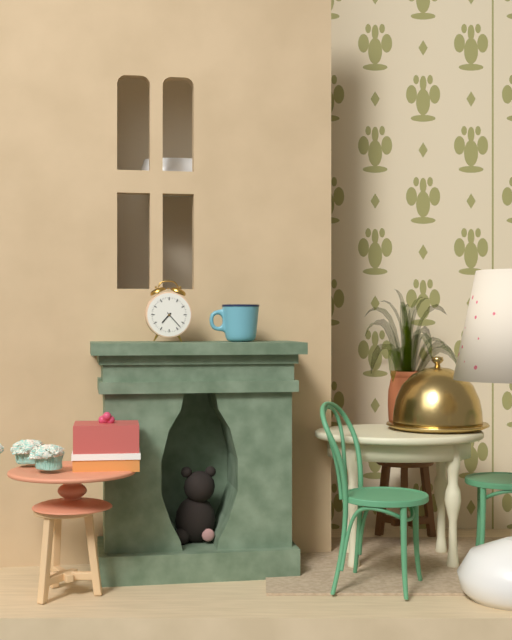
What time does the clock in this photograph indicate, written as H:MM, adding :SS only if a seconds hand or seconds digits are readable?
7:23
